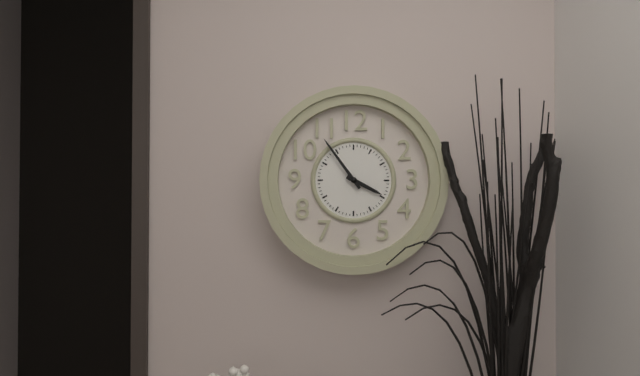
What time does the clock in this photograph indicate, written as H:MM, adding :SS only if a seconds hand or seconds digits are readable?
3:54
